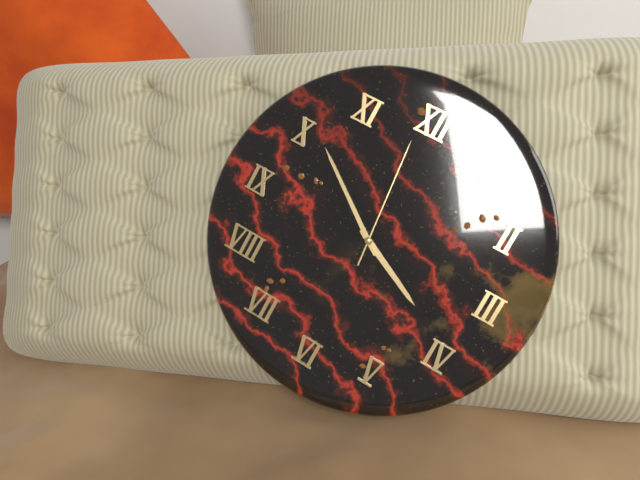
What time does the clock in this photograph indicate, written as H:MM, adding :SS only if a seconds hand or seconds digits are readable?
3:51:59
